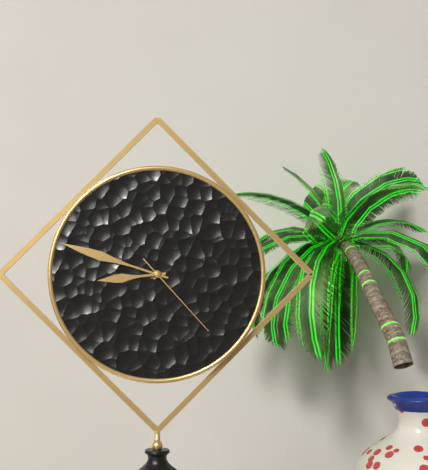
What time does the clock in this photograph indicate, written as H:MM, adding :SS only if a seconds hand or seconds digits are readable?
8:48:23
